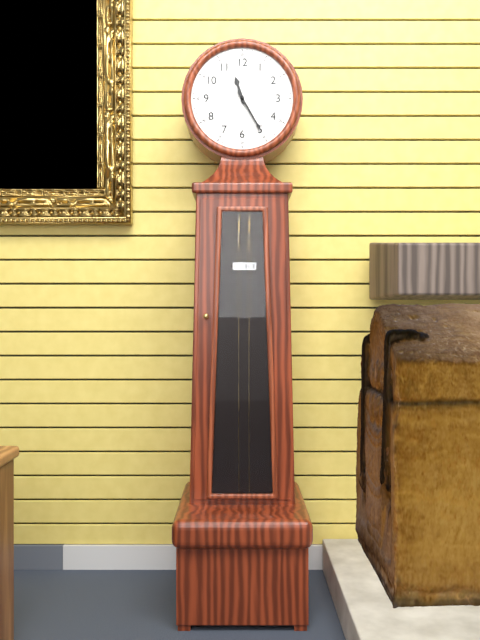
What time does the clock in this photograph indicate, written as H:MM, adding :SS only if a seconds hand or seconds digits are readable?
11:25
